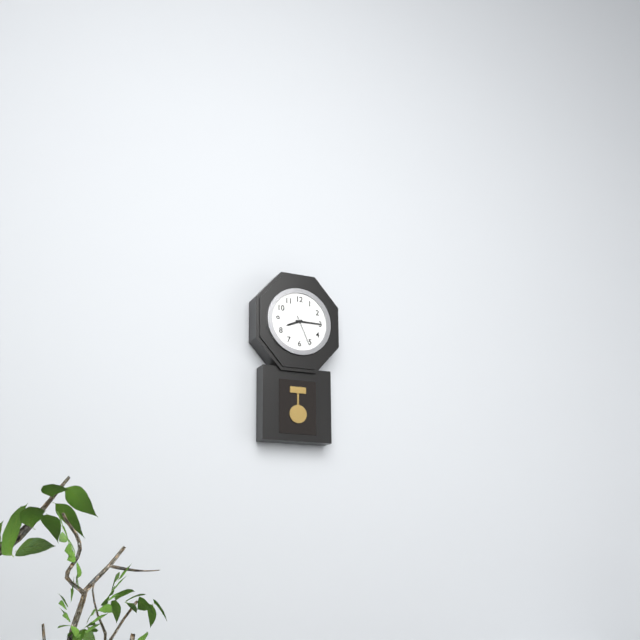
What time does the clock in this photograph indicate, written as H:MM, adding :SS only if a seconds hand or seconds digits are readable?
8:15
